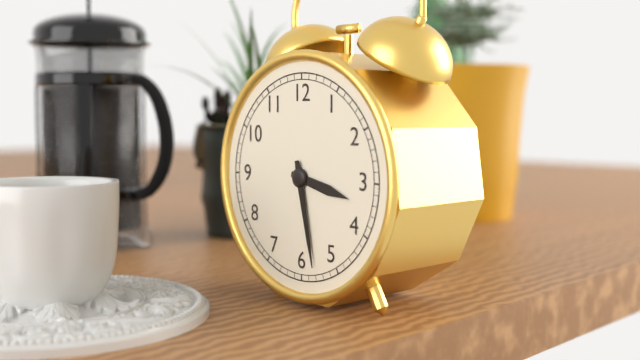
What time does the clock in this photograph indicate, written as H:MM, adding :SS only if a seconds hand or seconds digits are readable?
3:28
